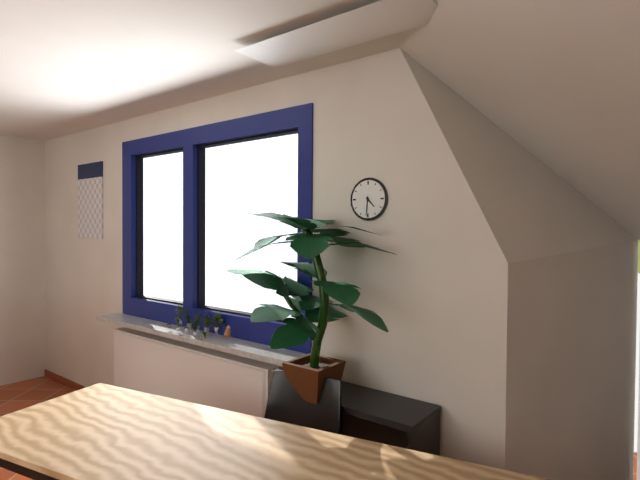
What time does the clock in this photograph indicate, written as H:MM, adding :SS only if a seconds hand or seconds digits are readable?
4:31
